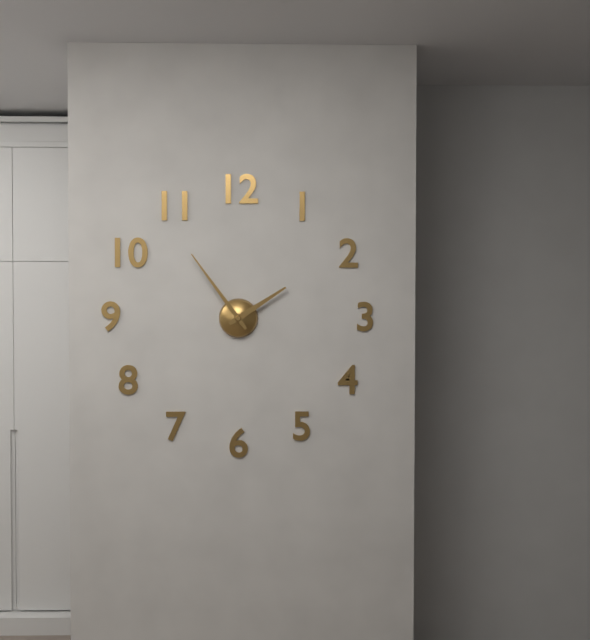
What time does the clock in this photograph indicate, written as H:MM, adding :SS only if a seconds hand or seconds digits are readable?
1:54
